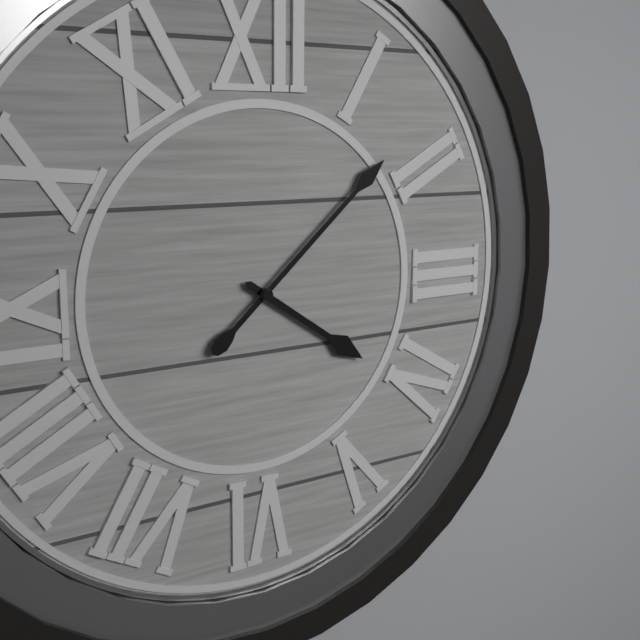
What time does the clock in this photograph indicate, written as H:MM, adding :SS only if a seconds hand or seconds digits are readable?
4:08
